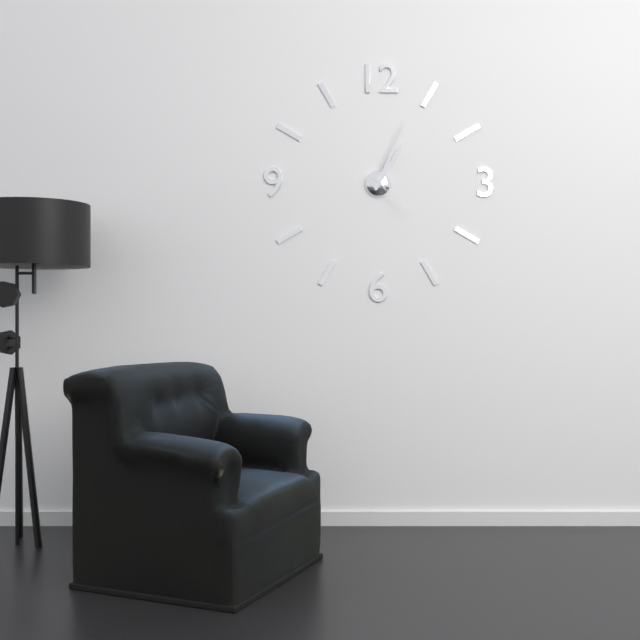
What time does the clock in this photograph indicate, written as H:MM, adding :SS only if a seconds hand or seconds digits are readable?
1:04:22
